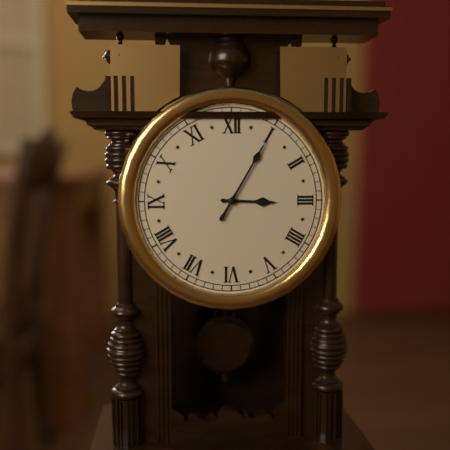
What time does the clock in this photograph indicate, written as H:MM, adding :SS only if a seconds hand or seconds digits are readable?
3:05
